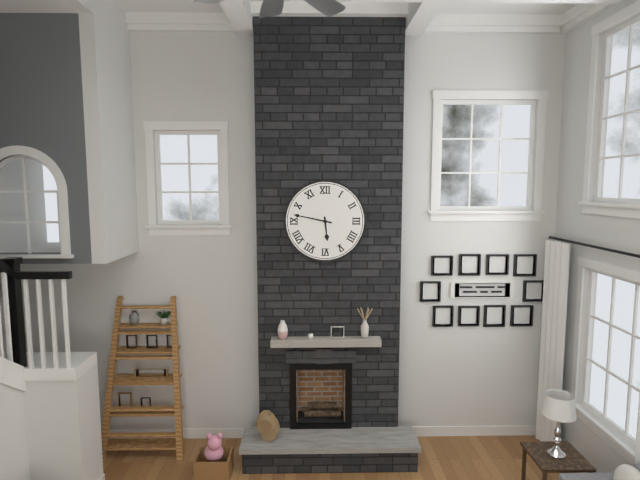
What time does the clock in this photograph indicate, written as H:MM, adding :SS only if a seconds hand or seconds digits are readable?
5:47
